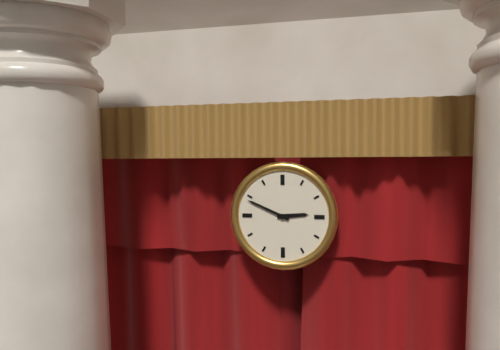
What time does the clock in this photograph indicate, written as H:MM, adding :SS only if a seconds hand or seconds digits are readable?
2:49
